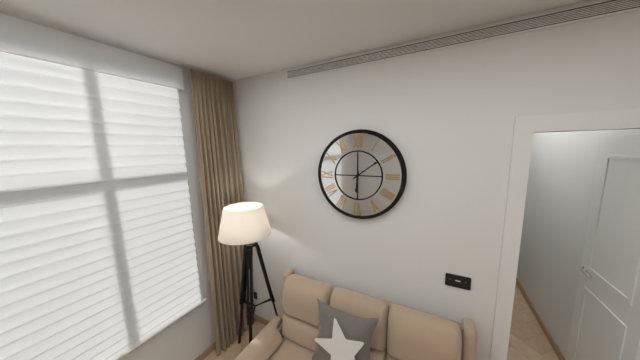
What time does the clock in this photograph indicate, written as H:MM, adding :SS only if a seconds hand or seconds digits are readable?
6:09
